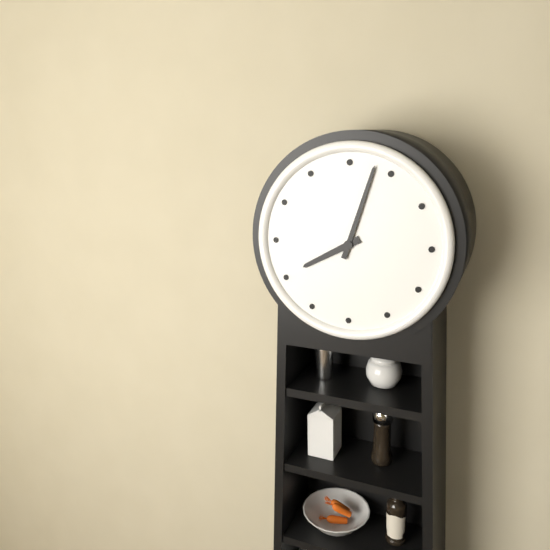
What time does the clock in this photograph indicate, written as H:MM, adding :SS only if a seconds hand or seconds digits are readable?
8:03
